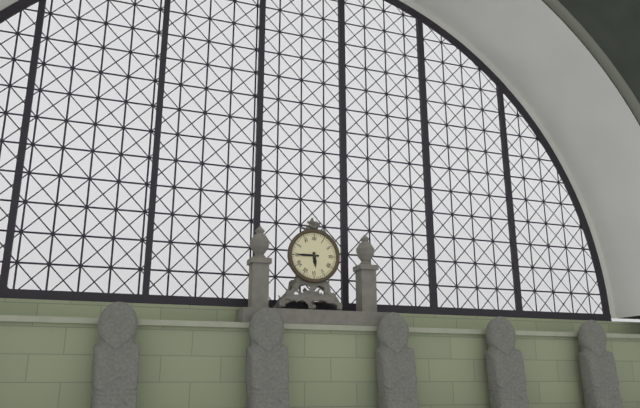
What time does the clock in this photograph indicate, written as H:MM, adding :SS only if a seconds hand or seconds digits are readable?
5:45
